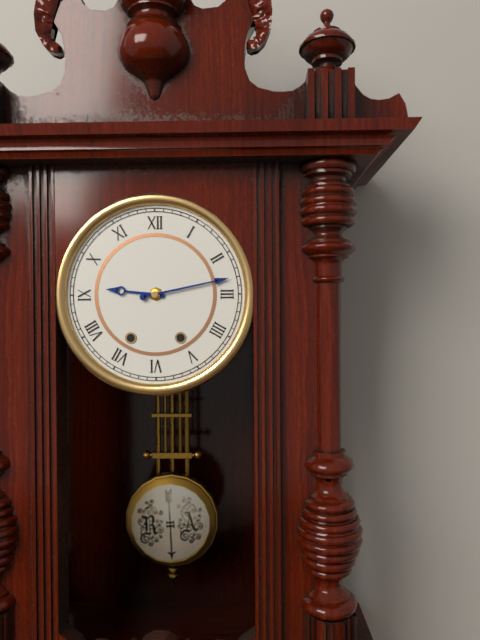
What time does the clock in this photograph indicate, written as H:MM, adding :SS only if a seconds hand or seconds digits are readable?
9:13
